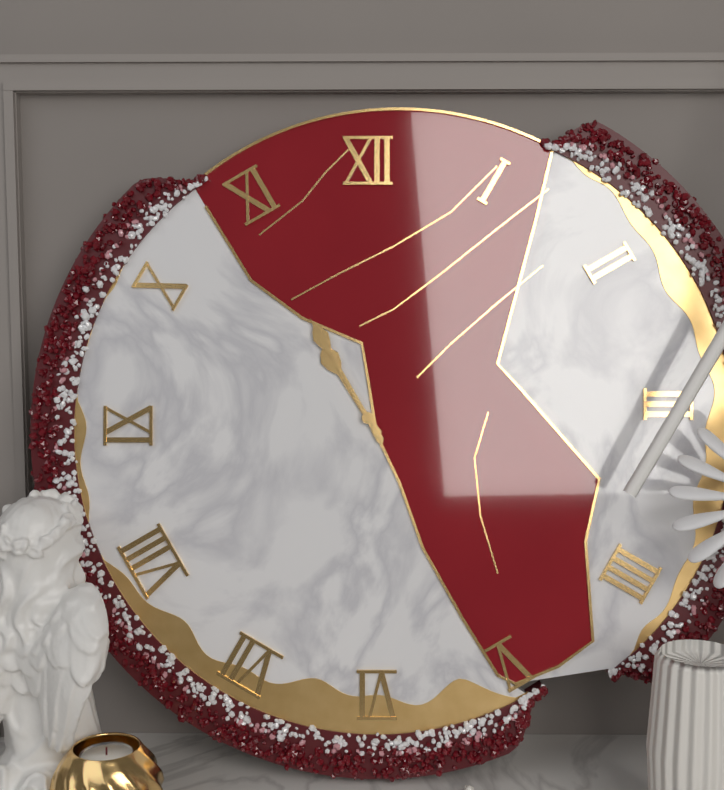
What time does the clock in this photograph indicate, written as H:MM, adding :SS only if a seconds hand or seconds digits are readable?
10:55
